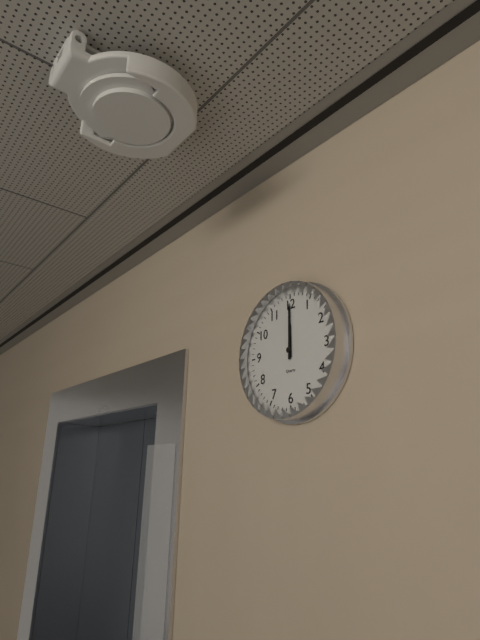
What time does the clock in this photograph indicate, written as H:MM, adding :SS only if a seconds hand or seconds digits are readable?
12:00
